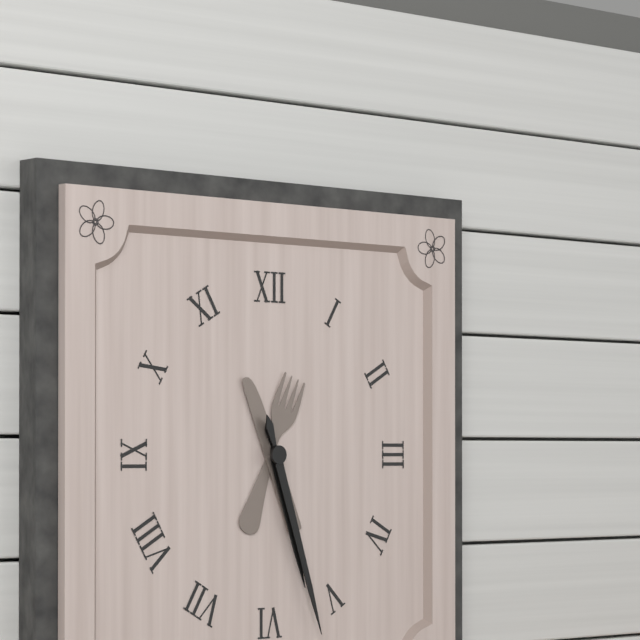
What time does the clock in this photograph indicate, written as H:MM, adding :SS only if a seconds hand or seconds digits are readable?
5:27
